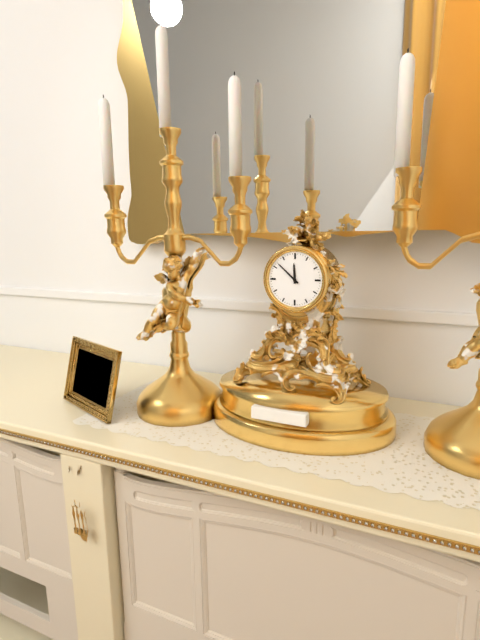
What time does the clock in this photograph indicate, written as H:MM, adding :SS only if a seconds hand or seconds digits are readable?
11:52
